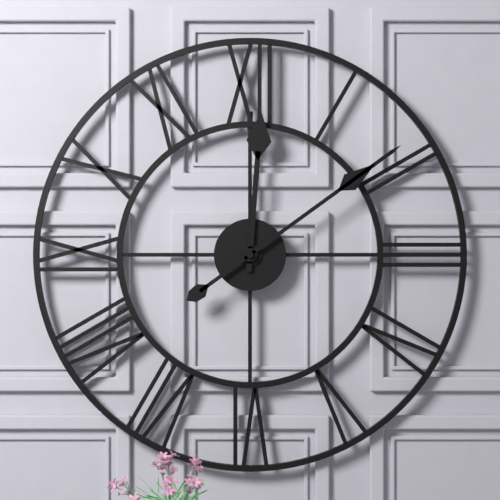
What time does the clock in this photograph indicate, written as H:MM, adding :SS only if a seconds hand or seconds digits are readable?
12:09
